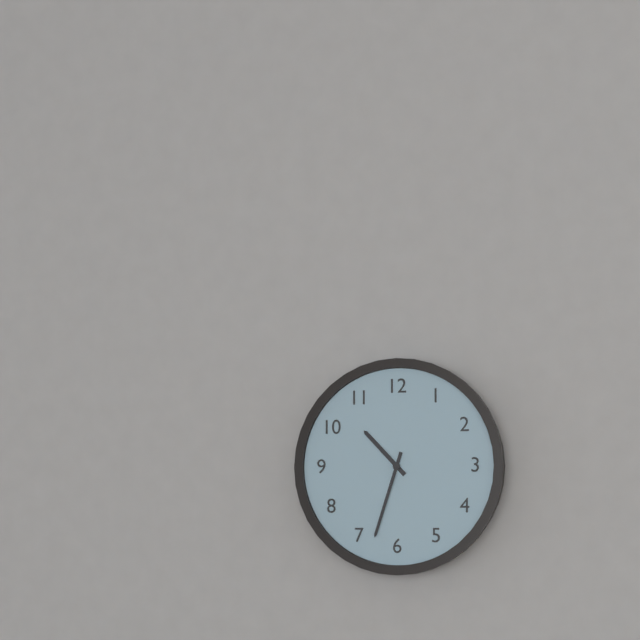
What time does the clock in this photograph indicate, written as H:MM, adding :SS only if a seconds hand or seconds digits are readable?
10:33
